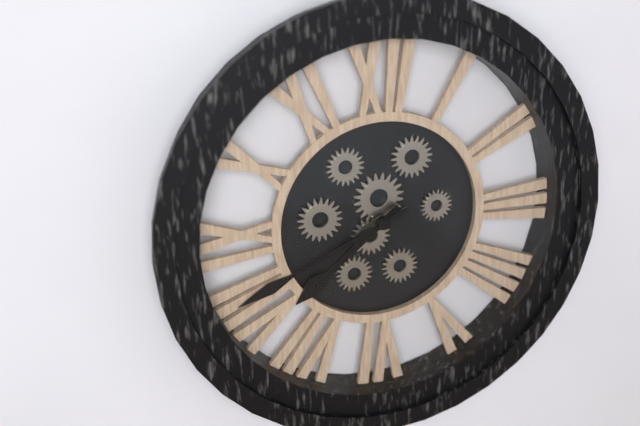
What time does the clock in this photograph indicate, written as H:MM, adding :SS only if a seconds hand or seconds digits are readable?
7:41
